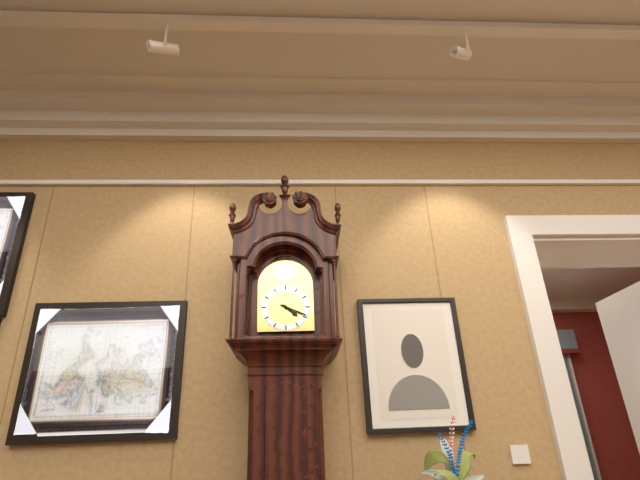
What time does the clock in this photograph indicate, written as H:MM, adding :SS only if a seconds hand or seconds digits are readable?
4:19
